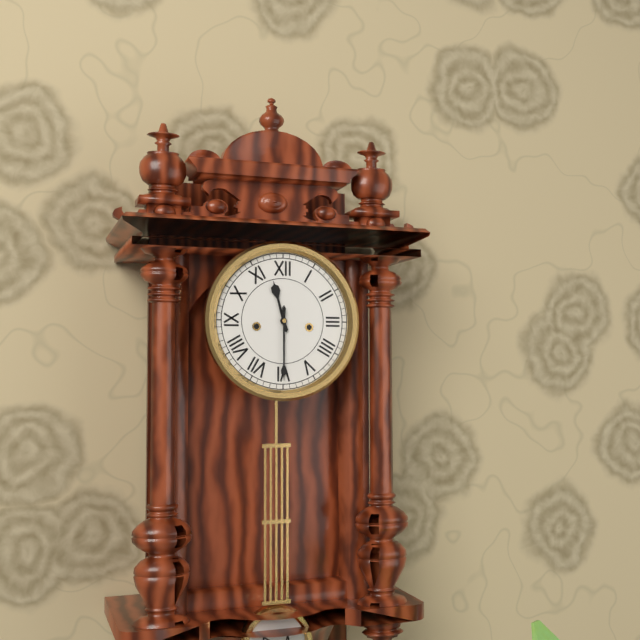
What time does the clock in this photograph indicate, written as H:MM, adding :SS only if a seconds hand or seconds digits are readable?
11:30
